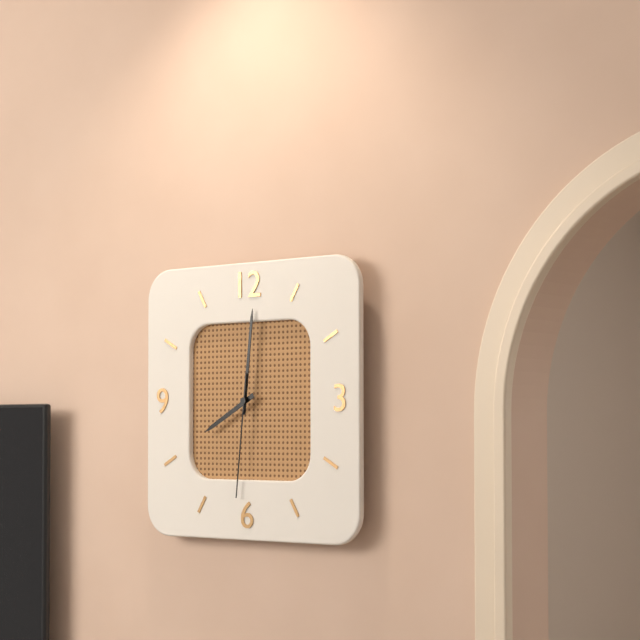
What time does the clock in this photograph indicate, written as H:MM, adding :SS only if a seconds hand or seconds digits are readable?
8:01:31
